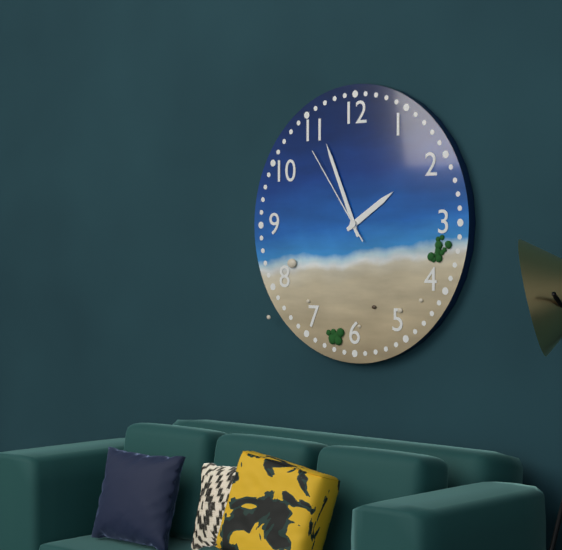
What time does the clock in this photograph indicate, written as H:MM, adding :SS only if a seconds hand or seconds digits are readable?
1:56:54
